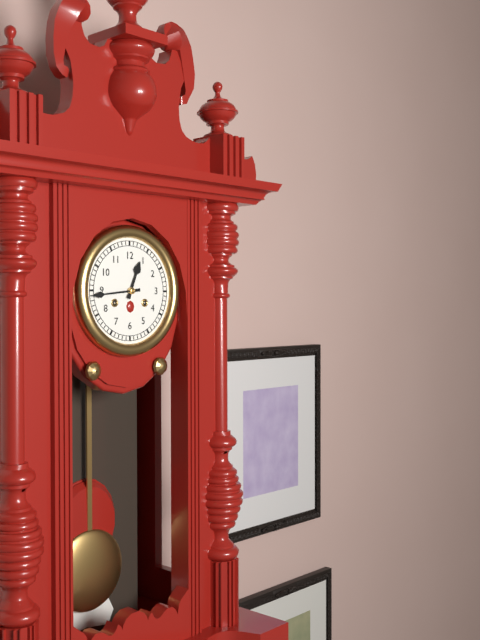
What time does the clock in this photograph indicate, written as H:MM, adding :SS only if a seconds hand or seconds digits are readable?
12:44
